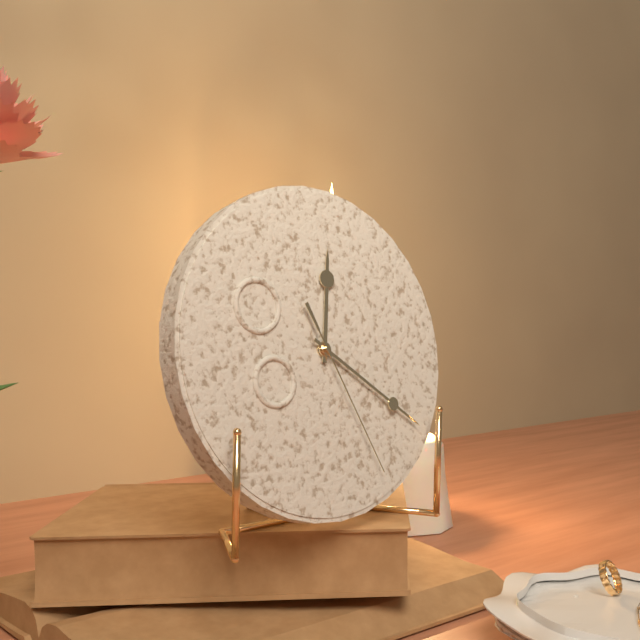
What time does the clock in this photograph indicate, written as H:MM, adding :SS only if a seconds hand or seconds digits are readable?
12:21:26
